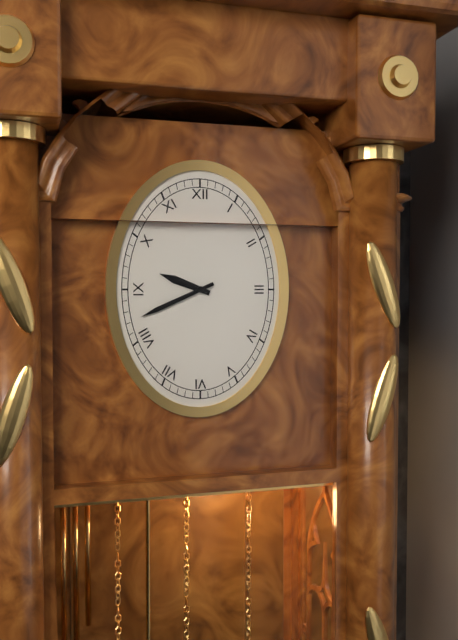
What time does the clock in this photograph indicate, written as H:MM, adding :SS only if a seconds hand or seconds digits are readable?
9:41
